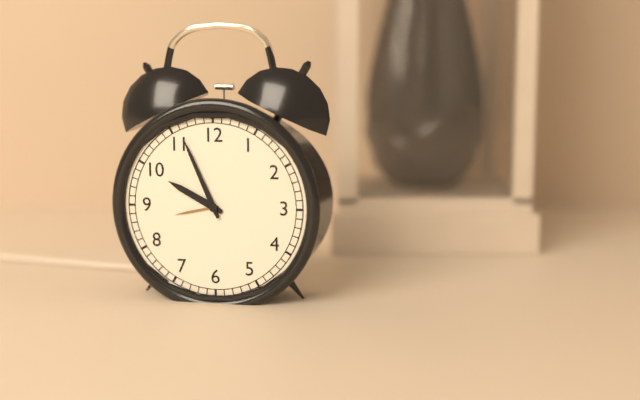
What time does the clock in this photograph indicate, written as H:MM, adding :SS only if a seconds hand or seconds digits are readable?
9:56
